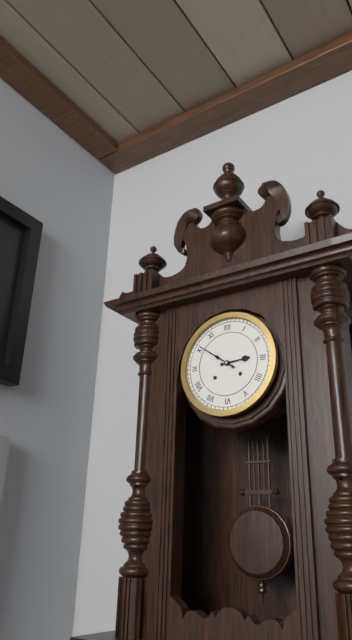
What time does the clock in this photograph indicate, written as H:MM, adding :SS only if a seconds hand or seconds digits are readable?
2:51
